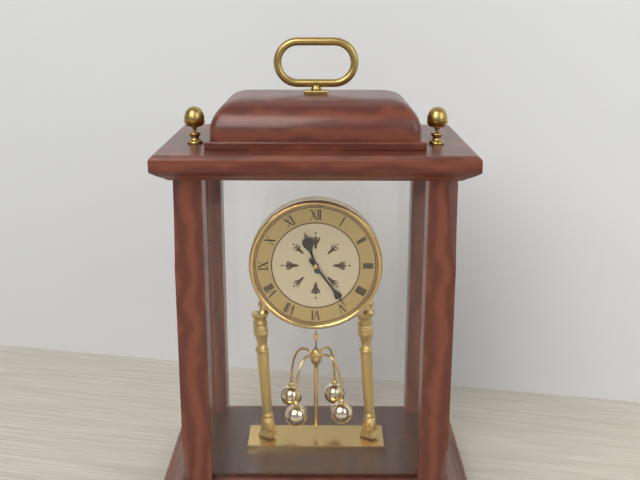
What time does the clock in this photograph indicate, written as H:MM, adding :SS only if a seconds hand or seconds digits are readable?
11:24
